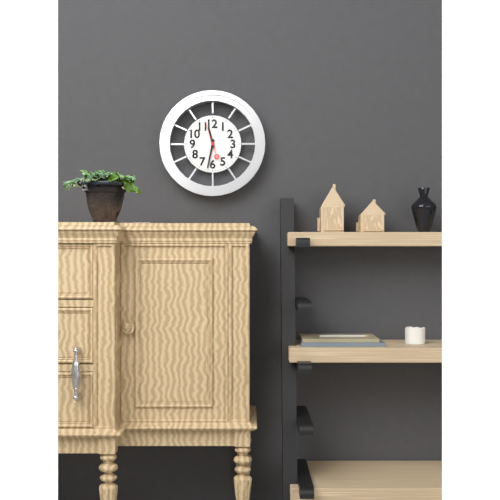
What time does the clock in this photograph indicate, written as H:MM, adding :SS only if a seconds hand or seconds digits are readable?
11:32
